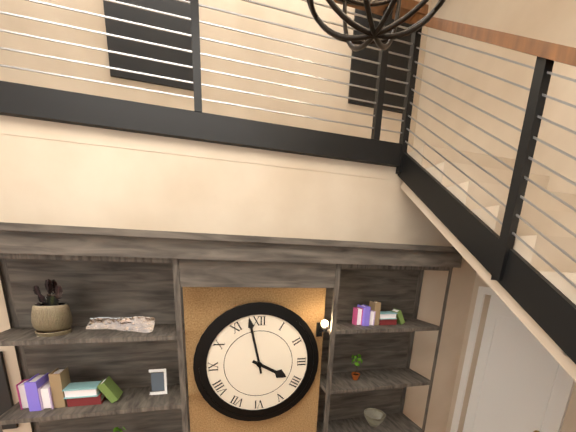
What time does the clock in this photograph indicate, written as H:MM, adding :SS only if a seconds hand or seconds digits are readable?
3:58
